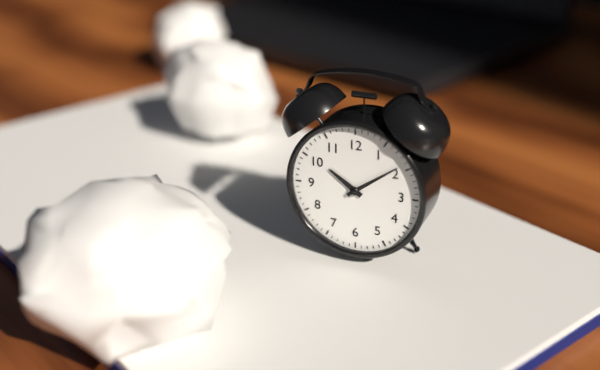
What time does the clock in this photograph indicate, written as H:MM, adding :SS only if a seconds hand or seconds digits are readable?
10:09
